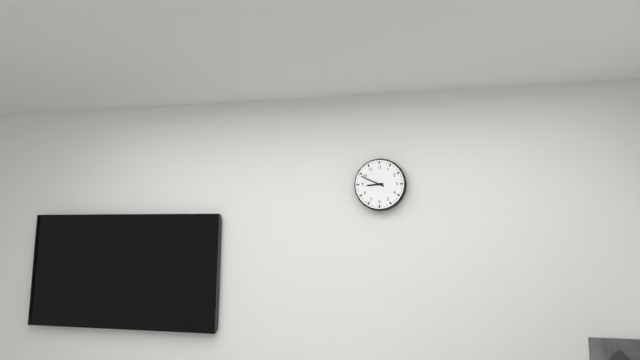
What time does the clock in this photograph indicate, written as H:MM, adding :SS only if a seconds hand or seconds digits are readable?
8:49
